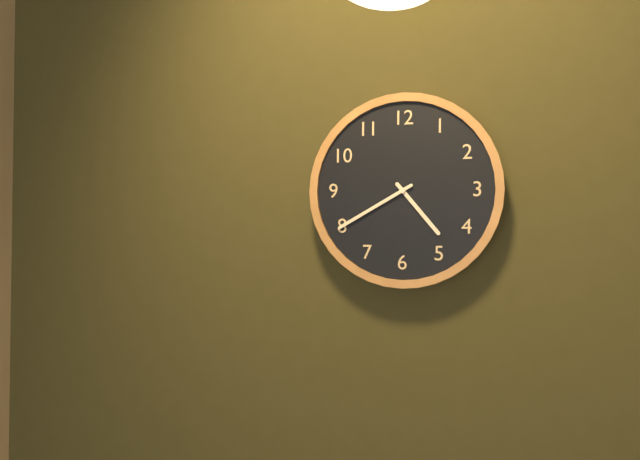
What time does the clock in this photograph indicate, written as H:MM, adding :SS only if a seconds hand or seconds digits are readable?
4:40
